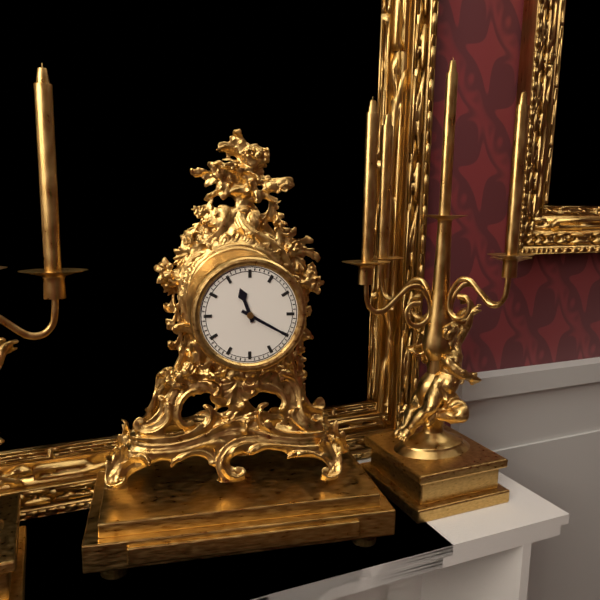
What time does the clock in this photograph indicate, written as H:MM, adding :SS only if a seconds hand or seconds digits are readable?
11:20
